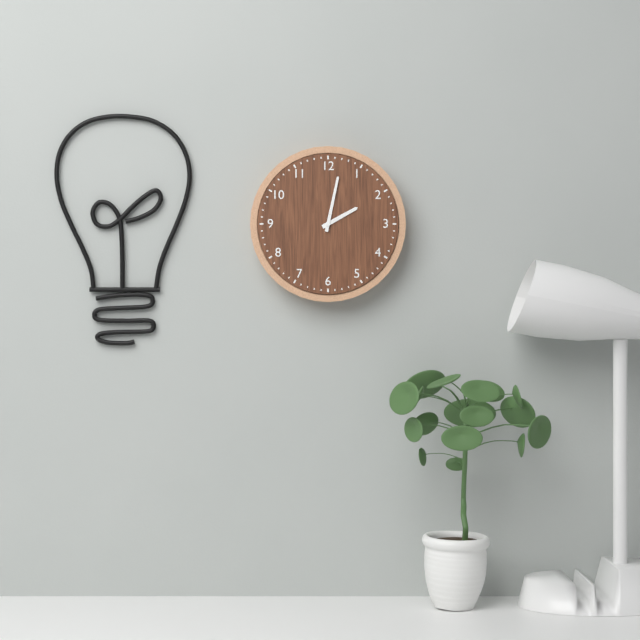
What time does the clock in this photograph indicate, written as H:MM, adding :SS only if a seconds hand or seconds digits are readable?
2:02
